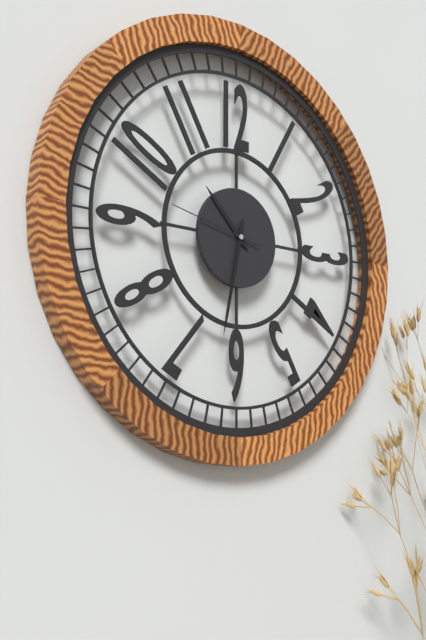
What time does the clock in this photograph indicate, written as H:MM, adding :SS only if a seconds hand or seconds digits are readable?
10:32:47
